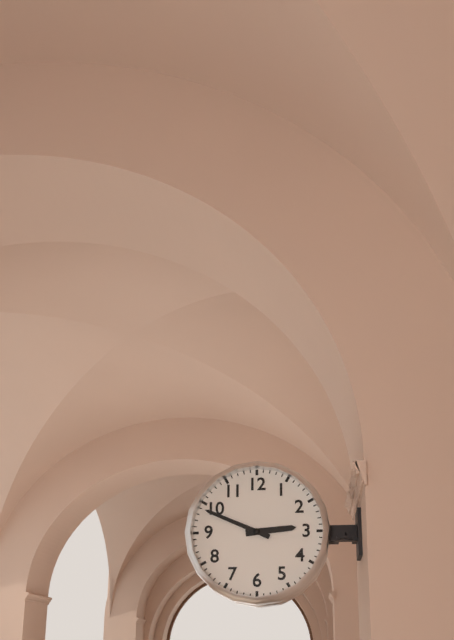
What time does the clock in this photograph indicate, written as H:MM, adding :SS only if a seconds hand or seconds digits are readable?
2:49
